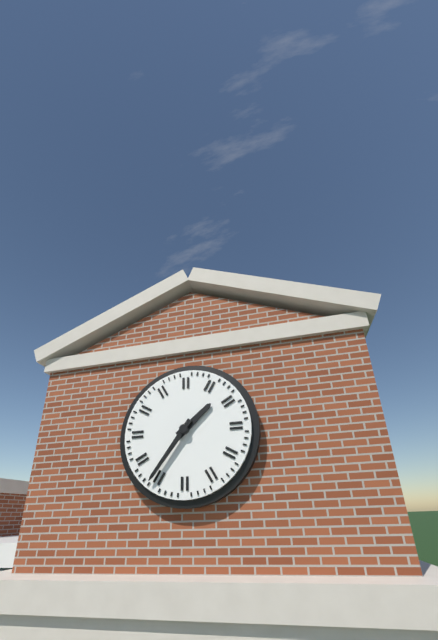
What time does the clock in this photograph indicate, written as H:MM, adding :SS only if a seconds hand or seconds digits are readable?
1:36
